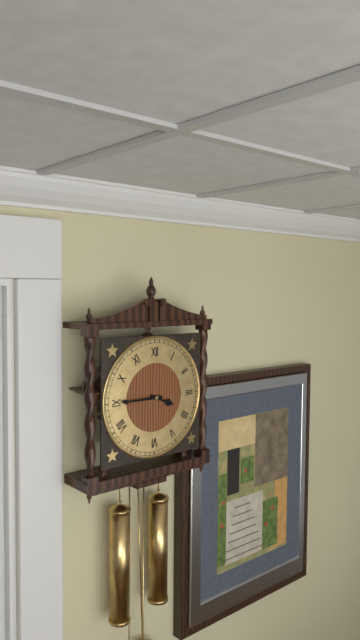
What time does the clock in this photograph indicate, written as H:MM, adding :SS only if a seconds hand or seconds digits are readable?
3:45
